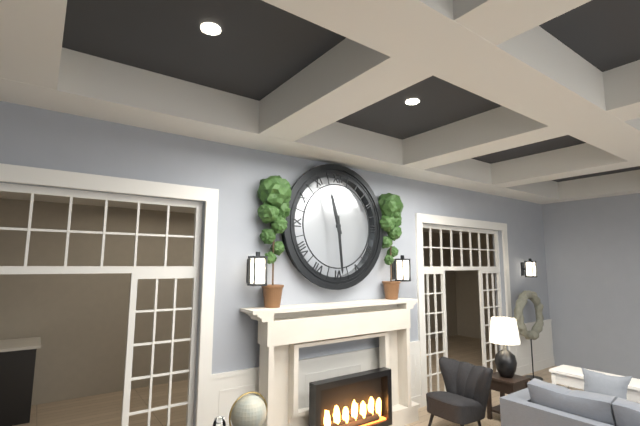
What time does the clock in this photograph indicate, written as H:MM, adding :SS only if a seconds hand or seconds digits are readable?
11:29
